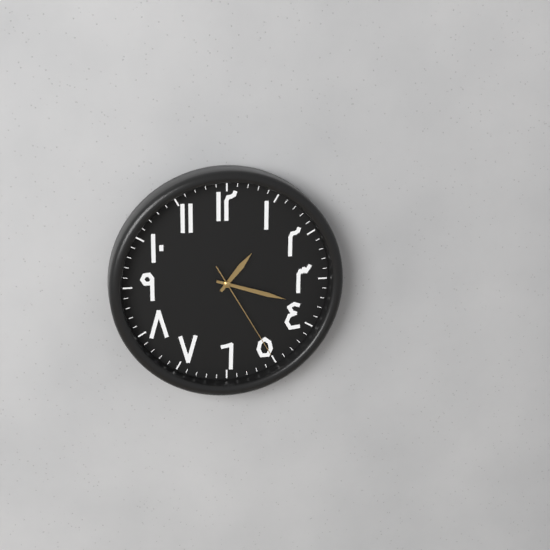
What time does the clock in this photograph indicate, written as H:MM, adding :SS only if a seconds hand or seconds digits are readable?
1:18:25
